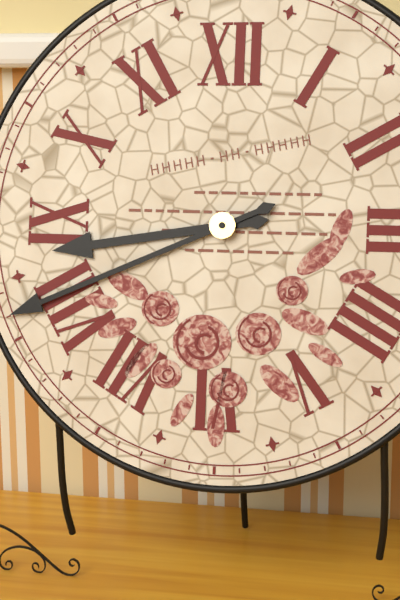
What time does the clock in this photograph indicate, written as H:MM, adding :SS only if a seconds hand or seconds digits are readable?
8:41
